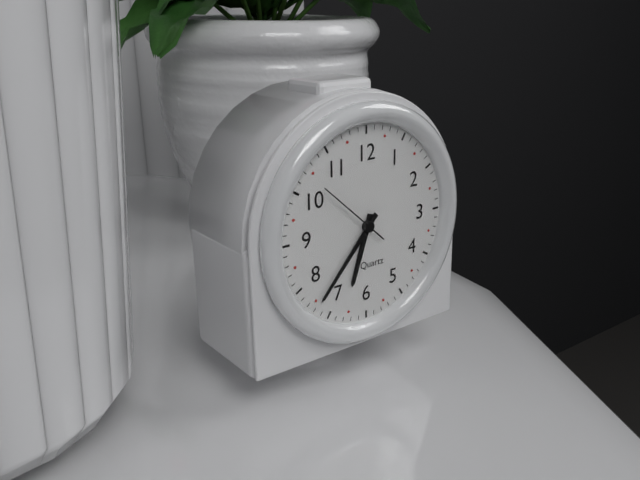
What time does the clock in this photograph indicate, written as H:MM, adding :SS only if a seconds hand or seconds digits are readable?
6:37:52
